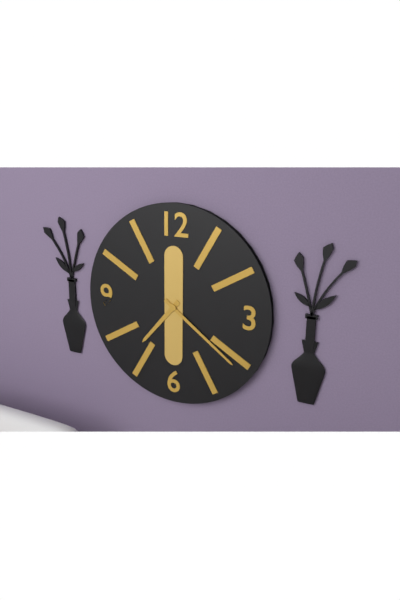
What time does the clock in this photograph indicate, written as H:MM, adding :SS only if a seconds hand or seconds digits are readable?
7:21
